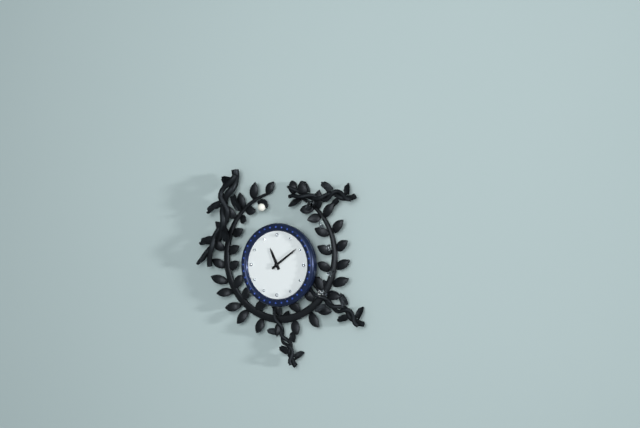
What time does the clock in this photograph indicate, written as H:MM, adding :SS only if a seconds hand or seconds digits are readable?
11:09
